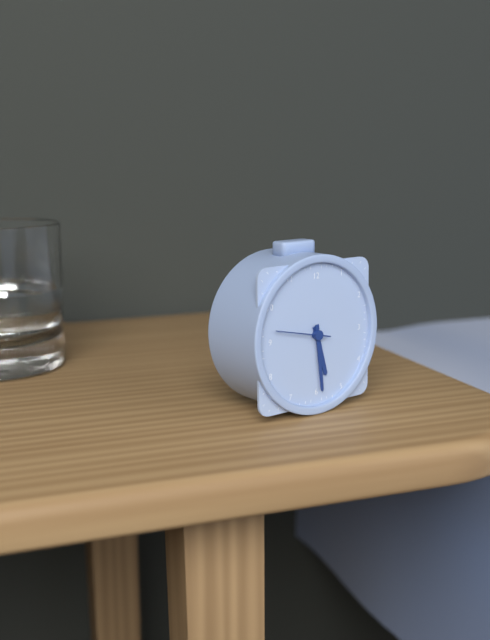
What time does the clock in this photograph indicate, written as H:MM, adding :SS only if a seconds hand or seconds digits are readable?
5:29:47
